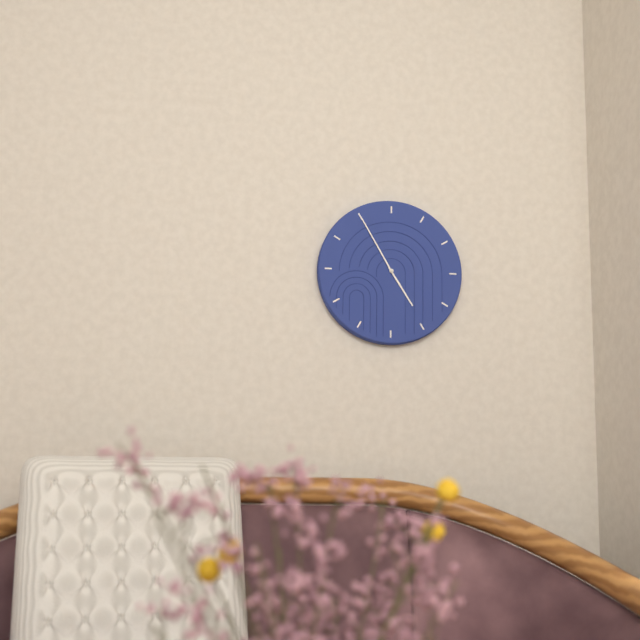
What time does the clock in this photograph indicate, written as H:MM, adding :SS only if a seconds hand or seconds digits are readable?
4:55
